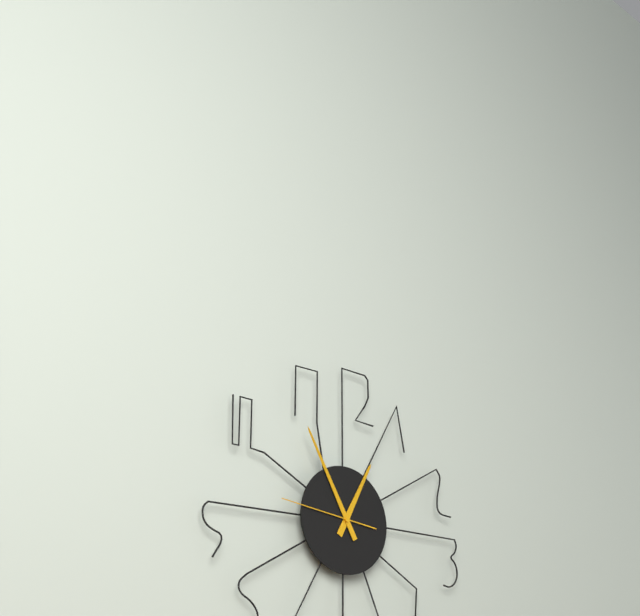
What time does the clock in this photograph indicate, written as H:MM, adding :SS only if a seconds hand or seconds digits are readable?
12:55:46
